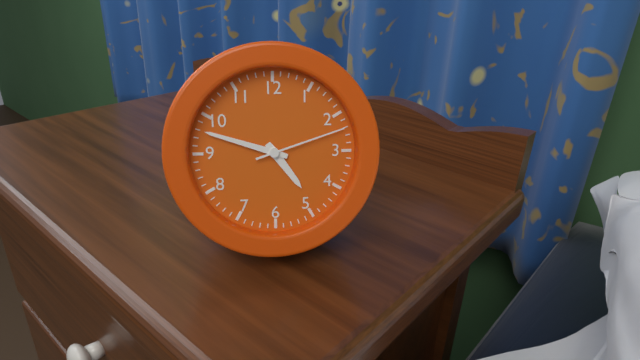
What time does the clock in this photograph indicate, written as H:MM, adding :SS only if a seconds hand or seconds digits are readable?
4:48:12
